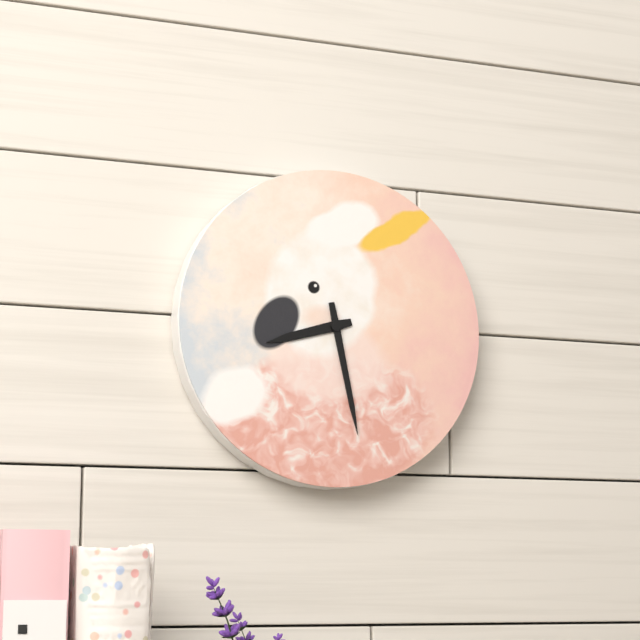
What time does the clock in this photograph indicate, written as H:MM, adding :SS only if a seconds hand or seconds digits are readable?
8:28
